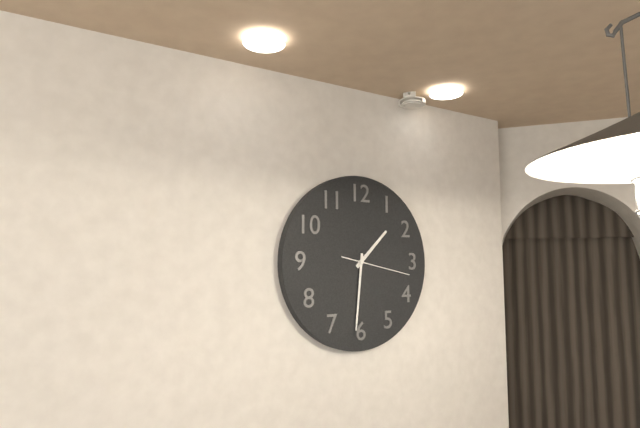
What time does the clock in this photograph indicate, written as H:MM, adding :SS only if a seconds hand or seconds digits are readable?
1:31:17
